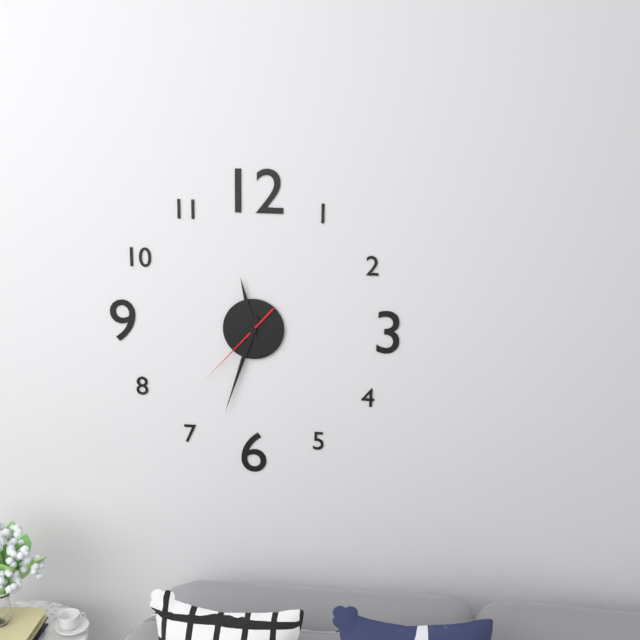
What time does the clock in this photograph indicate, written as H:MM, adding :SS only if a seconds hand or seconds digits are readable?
11:33:37
